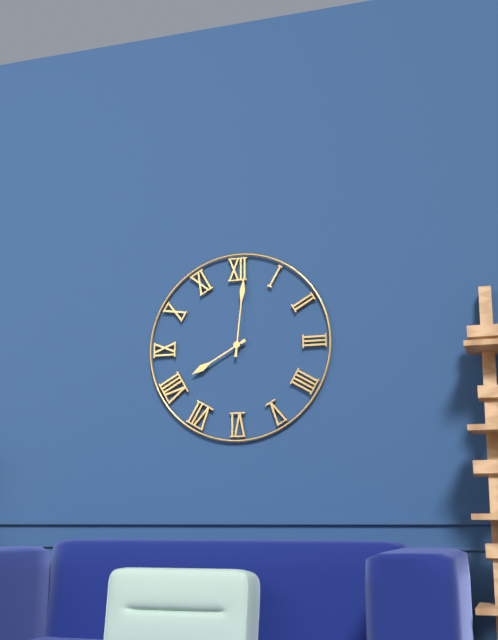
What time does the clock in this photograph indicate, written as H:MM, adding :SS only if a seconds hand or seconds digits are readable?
8:01
